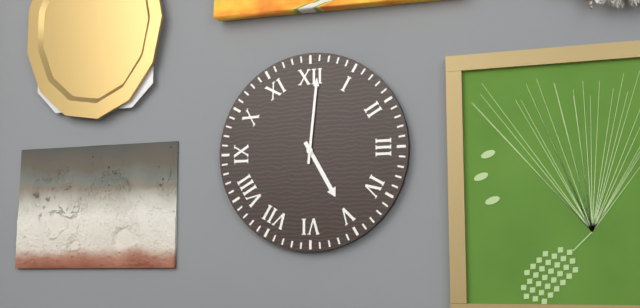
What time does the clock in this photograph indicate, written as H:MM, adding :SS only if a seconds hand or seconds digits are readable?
5:01
